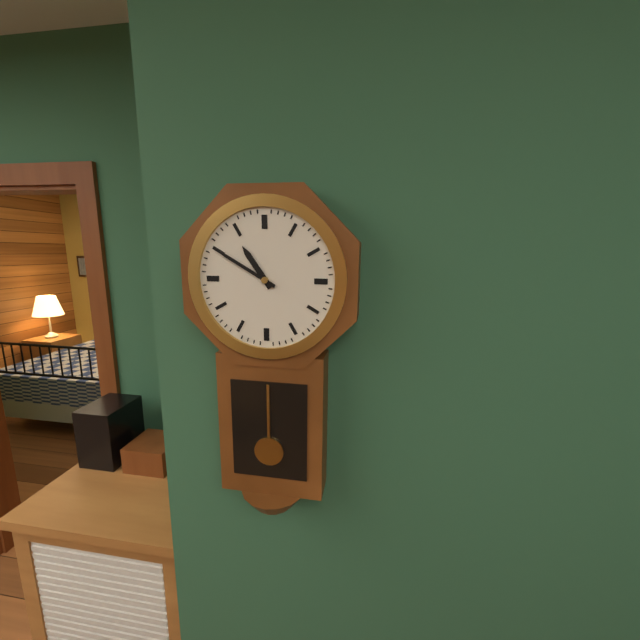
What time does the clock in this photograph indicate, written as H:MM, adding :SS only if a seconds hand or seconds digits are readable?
10:50
